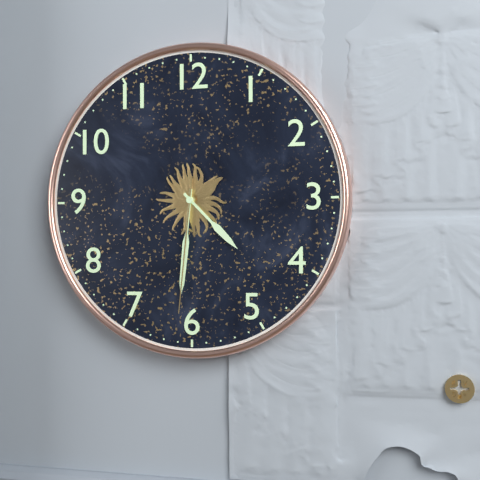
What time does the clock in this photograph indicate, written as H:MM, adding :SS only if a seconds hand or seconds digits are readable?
4:31:31
